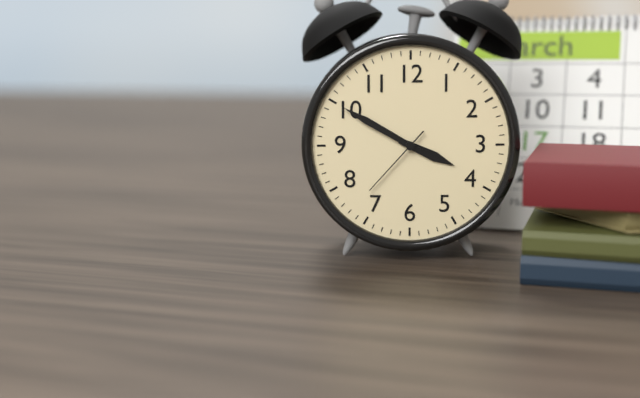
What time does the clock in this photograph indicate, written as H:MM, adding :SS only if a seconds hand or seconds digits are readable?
3:50:37
